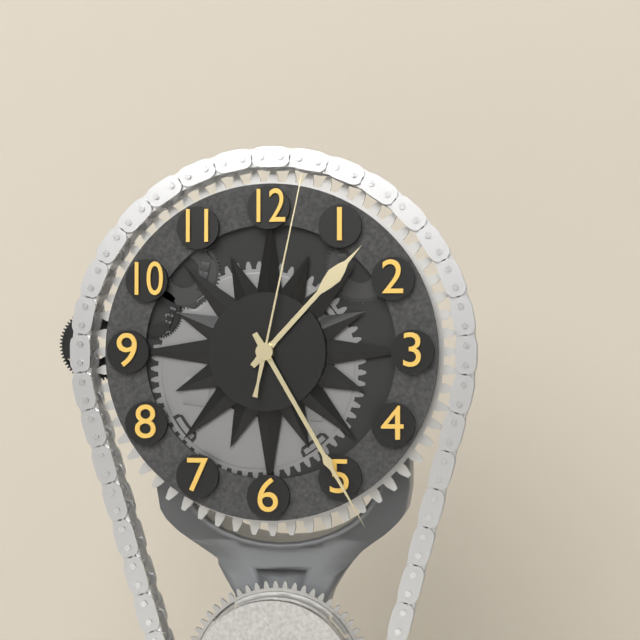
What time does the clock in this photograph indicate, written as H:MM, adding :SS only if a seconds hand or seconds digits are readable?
1:25:02
